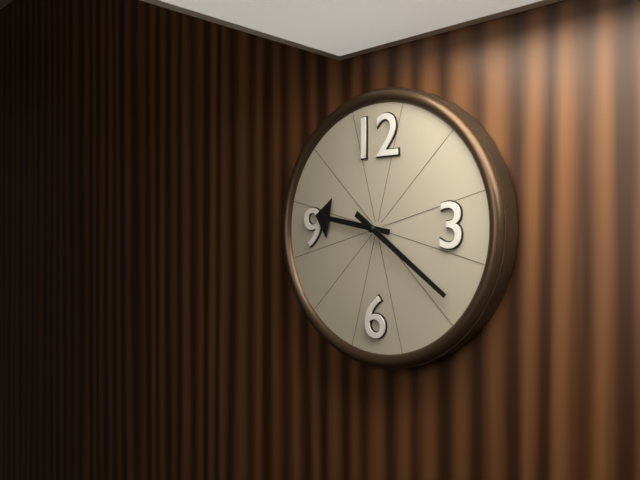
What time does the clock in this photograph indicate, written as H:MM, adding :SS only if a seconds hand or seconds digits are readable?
9:21
